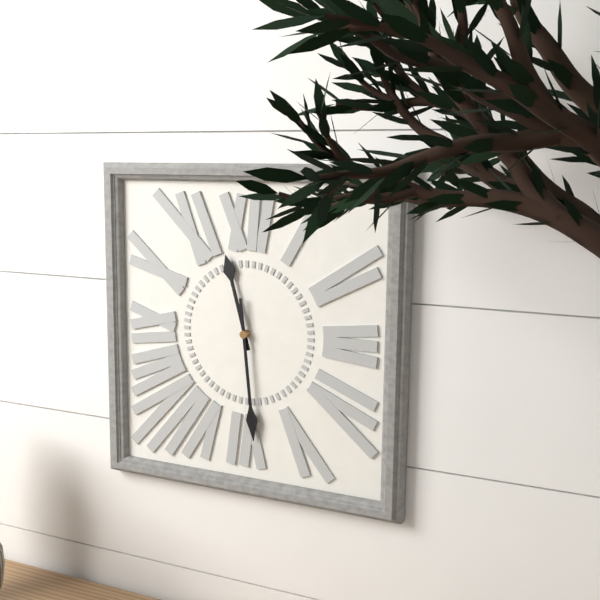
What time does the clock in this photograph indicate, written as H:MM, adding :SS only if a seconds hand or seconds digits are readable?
11:29
